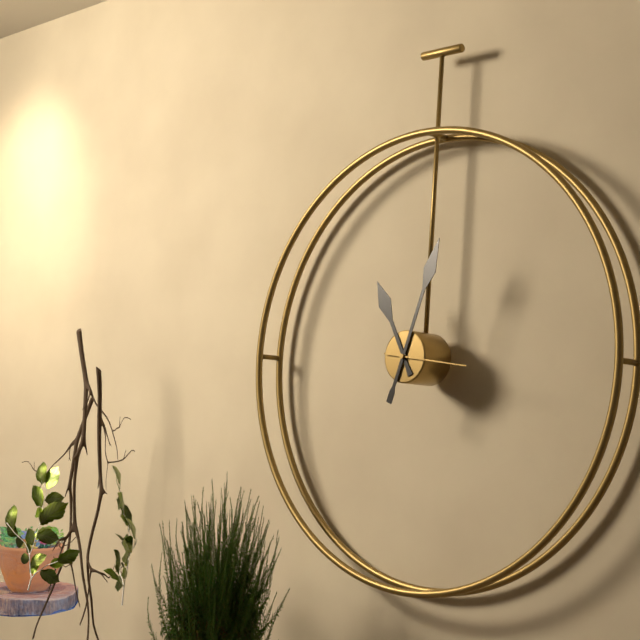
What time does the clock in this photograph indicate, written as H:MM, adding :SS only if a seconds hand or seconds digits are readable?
11:03:16
